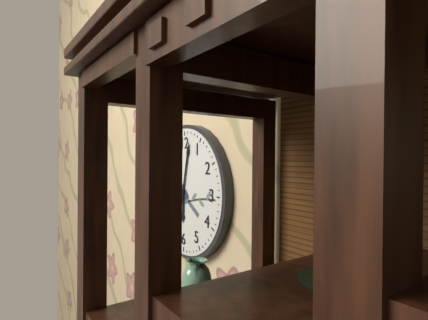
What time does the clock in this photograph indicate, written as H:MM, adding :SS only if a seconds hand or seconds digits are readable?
6:02
